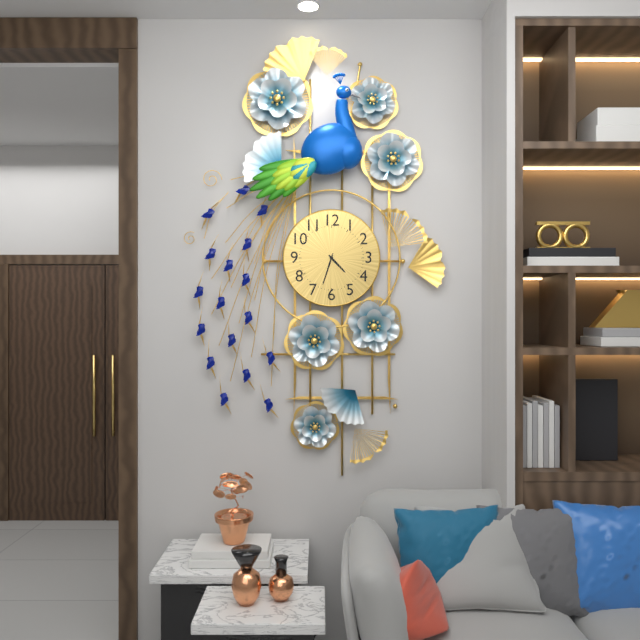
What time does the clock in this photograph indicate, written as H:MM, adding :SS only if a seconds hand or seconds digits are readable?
4:33
